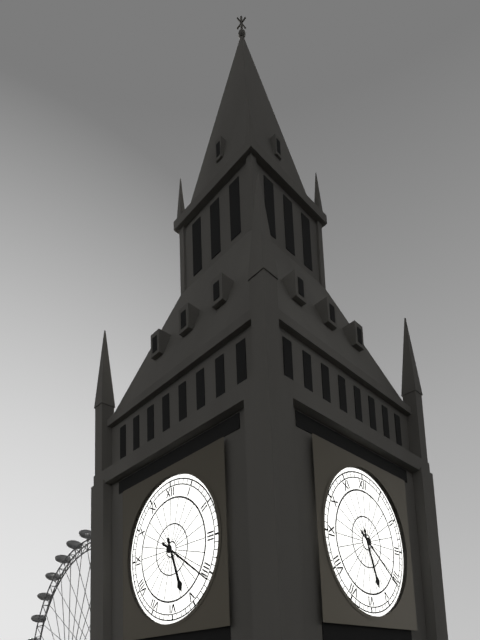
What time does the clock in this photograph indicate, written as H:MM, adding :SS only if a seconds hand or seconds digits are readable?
5:21
